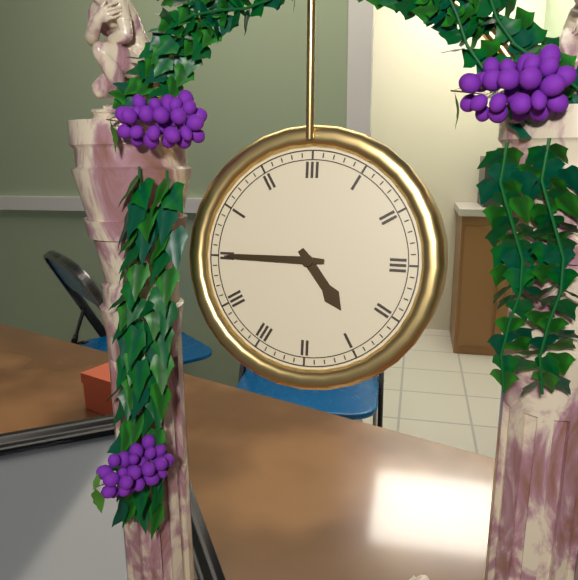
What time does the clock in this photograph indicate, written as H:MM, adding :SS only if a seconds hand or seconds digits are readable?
4:45
